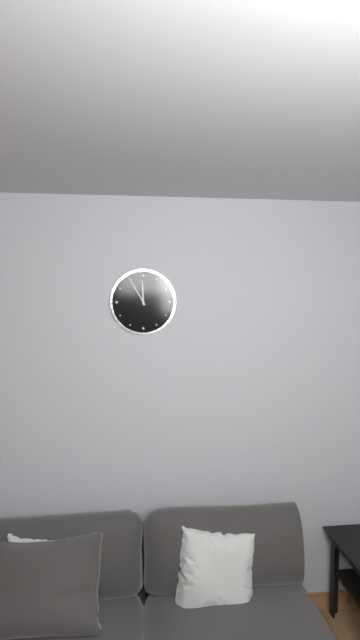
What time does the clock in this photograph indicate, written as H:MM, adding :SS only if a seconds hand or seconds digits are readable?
11:55
